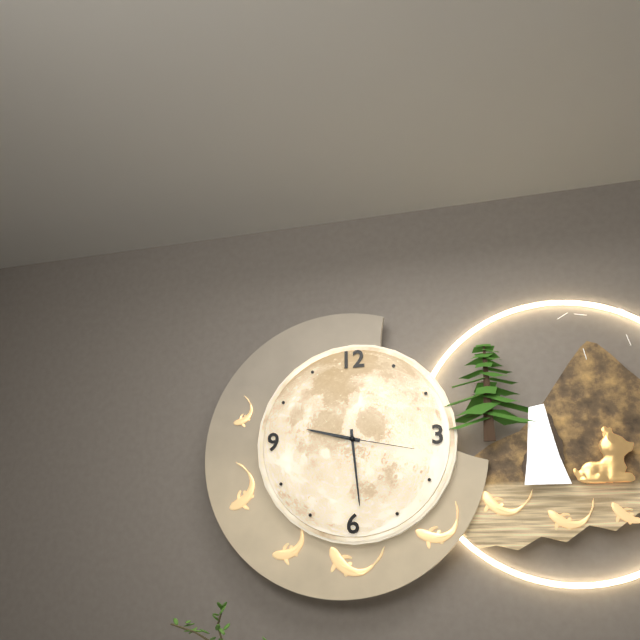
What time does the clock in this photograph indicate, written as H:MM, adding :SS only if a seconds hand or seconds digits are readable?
9:29:17
